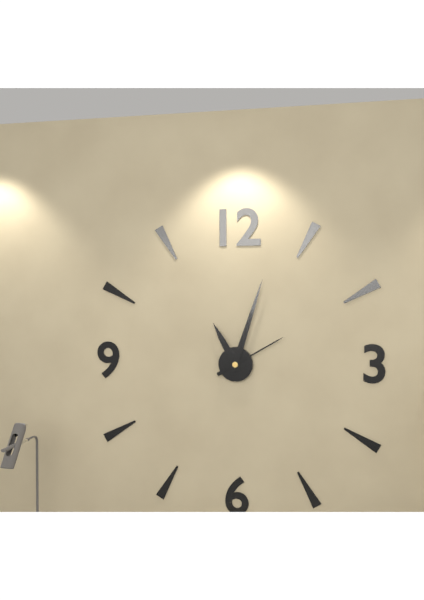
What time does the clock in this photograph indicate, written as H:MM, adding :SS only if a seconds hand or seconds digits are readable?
11:03:10
